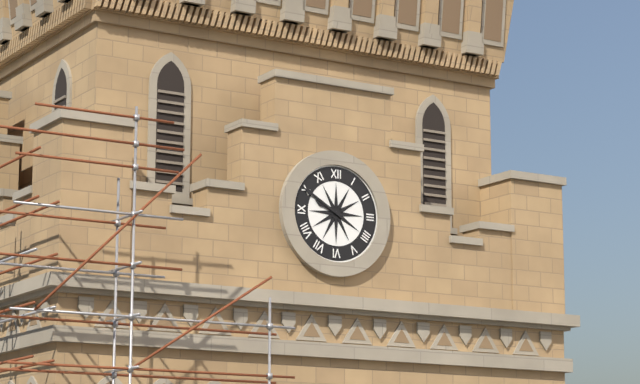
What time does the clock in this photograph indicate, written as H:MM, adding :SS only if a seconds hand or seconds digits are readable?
9:50
